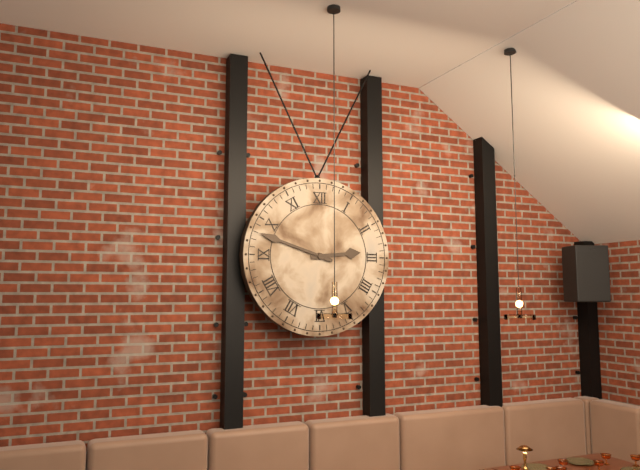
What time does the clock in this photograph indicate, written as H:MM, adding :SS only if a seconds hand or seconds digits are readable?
2:48
